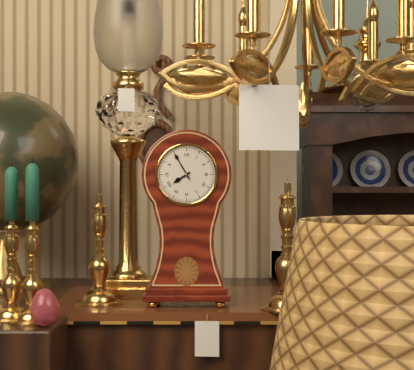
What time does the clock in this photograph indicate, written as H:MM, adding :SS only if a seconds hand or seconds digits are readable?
7:55
